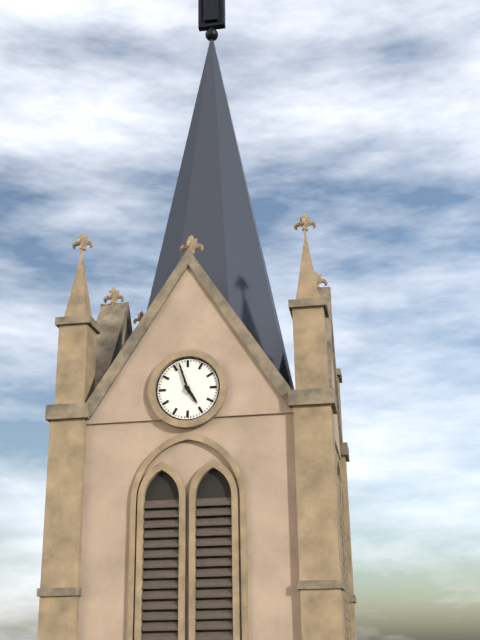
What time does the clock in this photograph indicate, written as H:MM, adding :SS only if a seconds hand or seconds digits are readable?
4:57
